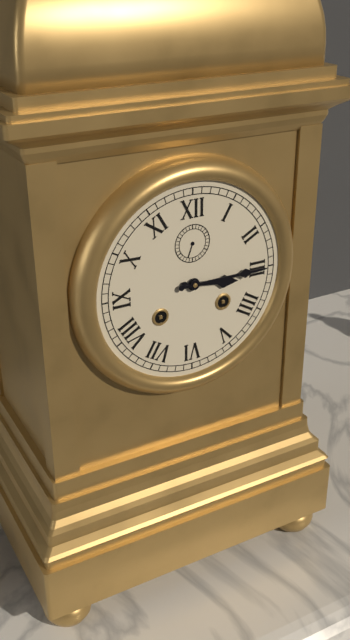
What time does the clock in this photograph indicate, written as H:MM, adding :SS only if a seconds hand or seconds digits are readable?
3:15
